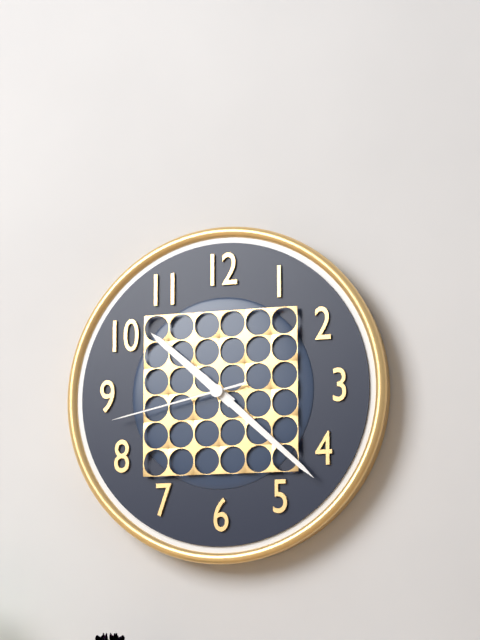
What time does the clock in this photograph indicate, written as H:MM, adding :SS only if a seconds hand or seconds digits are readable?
10:22:43
